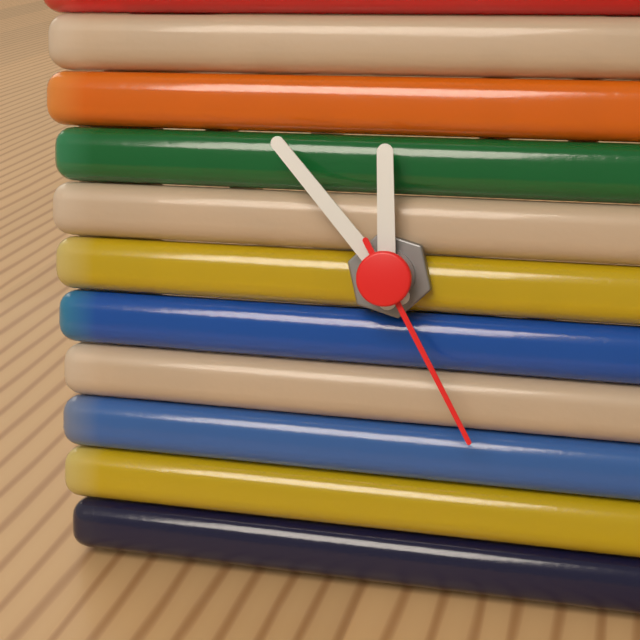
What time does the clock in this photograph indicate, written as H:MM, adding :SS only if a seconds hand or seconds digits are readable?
11:53:25
